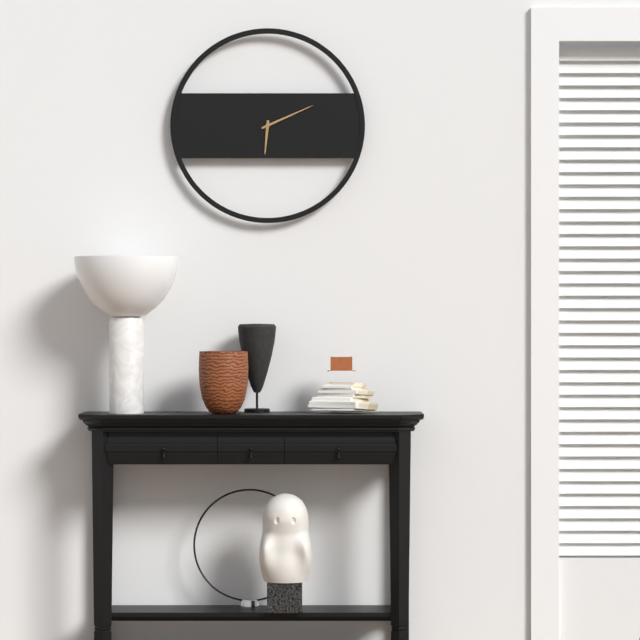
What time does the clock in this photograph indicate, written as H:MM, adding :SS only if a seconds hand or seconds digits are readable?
6:11
